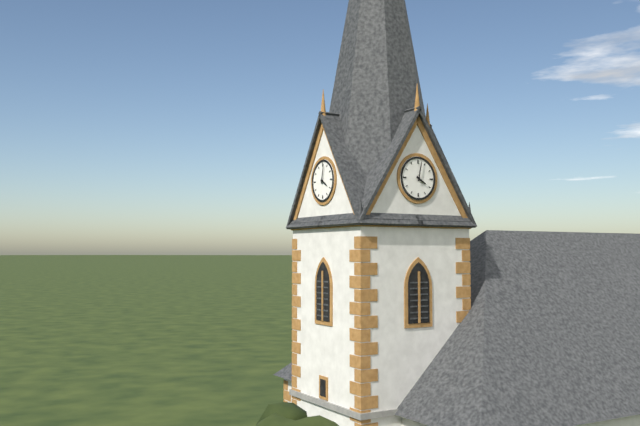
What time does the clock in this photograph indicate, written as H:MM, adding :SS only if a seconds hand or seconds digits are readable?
4:02
